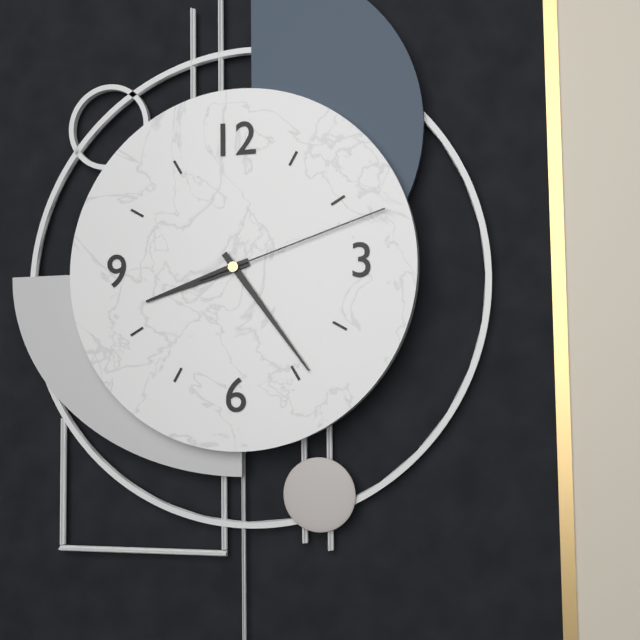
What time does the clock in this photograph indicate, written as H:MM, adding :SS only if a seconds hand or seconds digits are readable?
8:24:12
